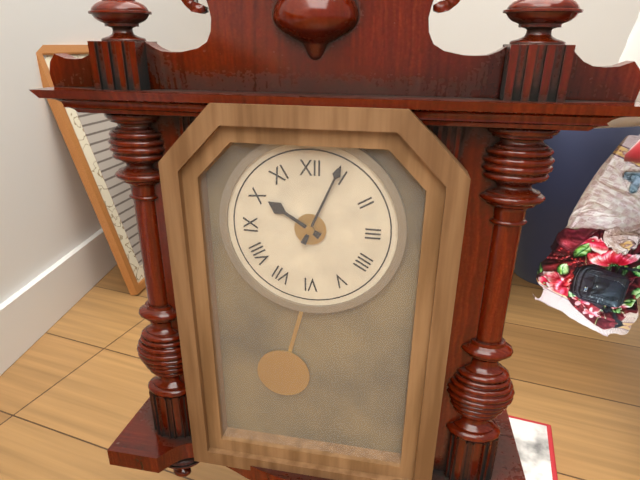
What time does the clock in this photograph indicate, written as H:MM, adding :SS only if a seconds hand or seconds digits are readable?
10:04
